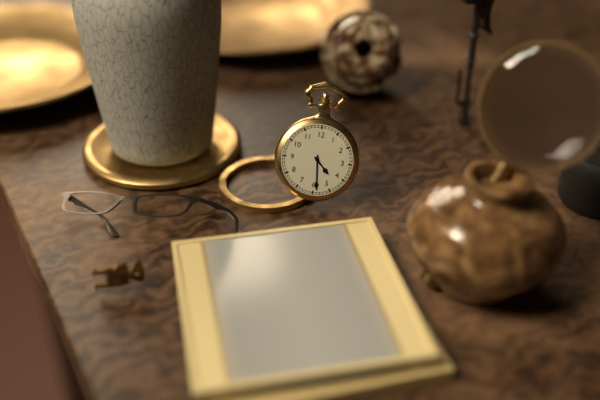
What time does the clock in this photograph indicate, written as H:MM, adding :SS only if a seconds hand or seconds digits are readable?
4:29
